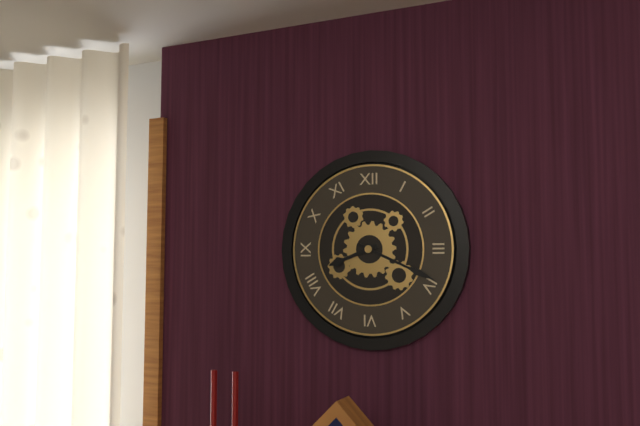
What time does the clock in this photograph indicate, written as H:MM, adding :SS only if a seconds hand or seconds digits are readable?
8:19
